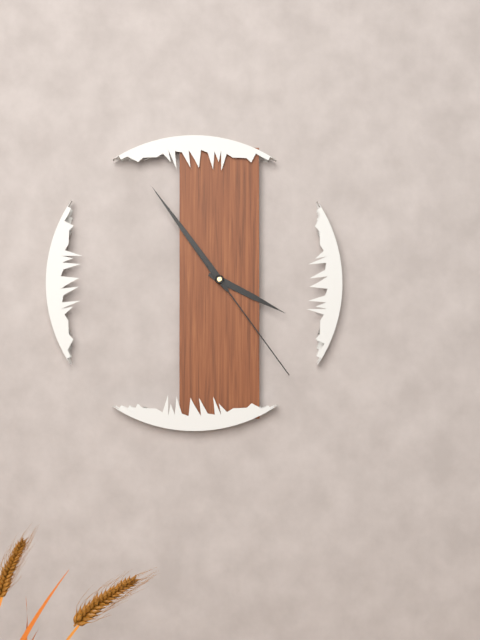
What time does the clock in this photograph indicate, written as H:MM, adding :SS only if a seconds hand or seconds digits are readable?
3:54:24
